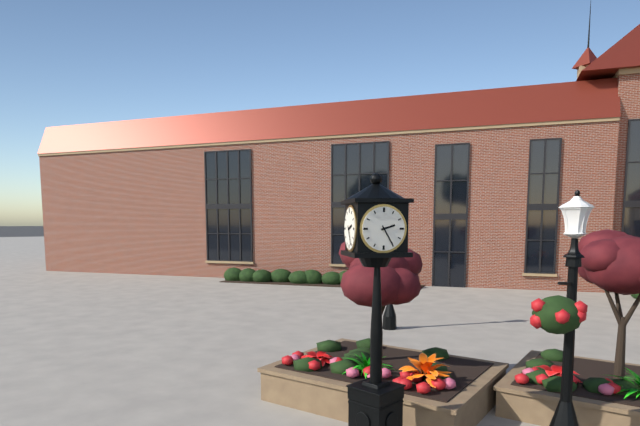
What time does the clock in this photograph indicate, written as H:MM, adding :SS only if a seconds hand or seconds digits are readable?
2:25
